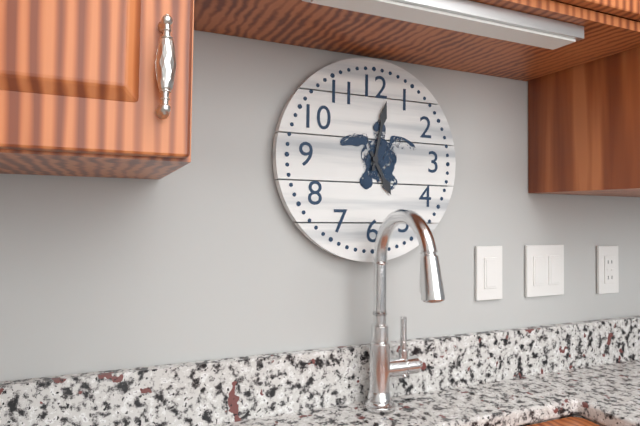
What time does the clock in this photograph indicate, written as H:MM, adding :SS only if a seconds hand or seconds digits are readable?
5:02
